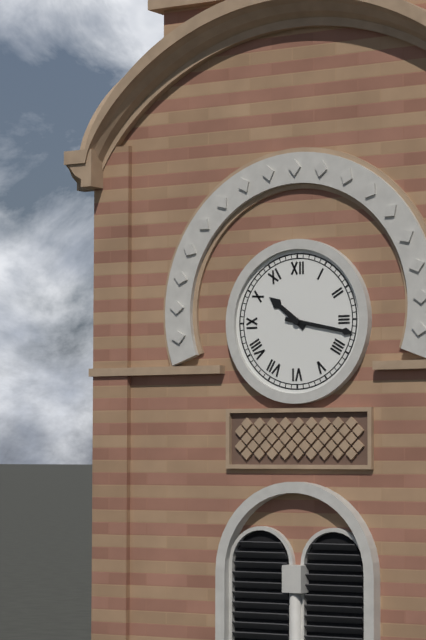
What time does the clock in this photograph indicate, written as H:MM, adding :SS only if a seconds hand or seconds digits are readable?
10:17
